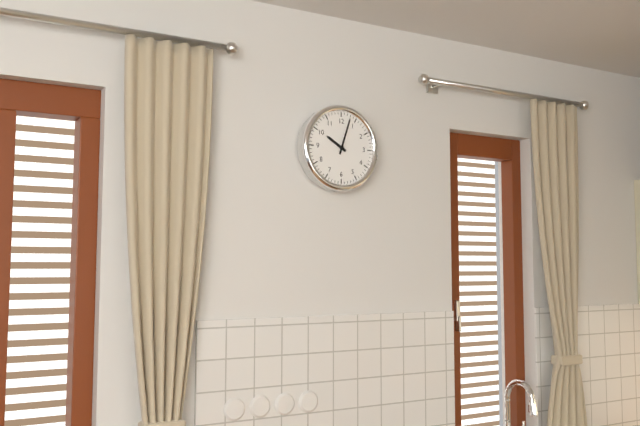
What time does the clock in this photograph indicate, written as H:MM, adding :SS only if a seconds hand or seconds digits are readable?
10:03
